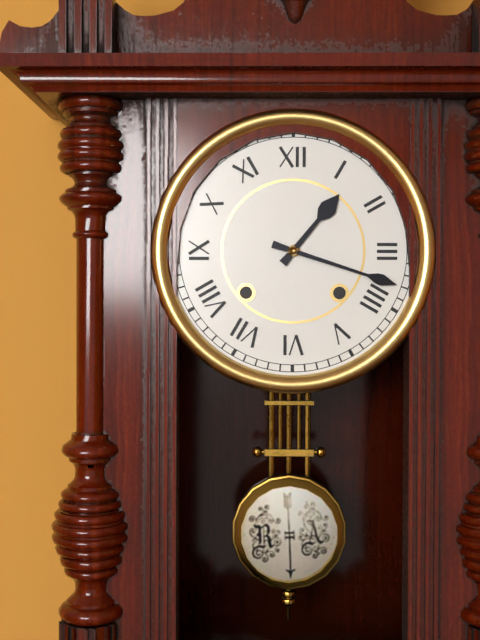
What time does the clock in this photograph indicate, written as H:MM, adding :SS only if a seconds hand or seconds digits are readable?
1:18
